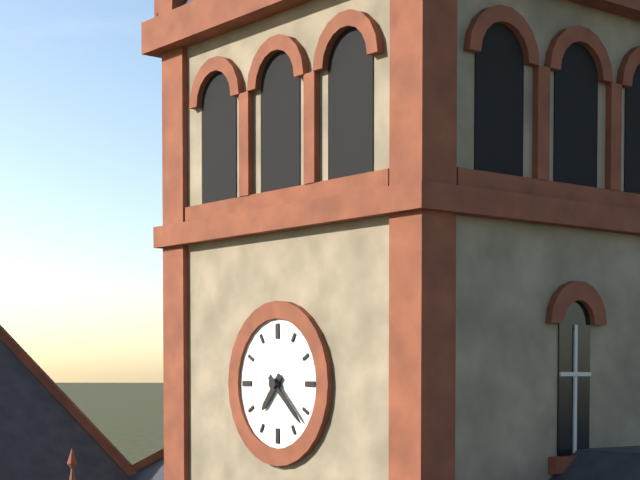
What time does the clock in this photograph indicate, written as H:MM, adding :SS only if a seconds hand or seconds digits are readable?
7:22
